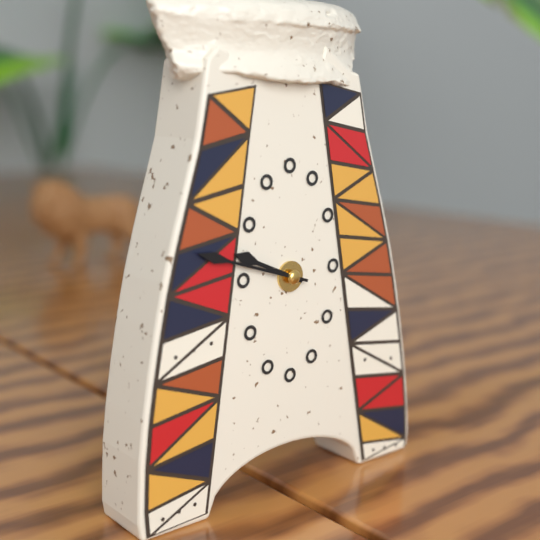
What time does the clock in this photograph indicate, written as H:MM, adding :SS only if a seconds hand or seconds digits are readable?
9:48
